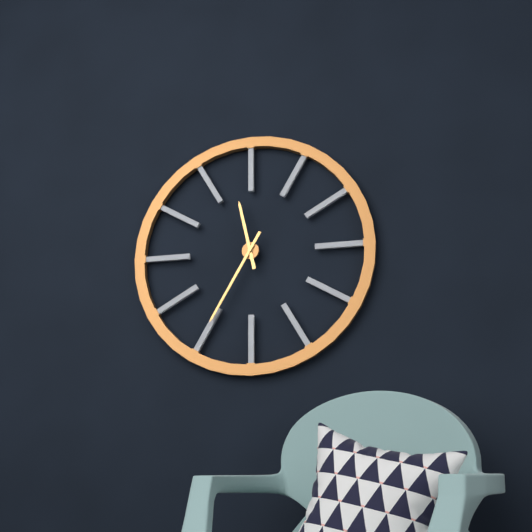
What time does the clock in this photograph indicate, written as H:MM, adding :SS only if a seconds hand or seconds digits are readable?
11:35
